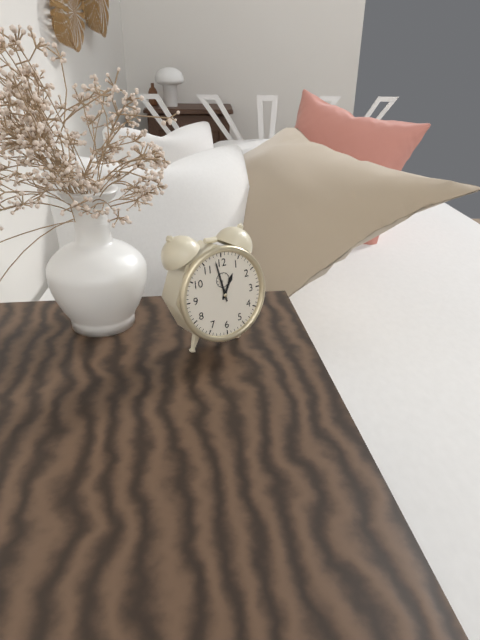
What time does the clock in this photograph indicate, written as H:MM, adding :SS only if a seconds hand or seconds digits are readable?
12:58
